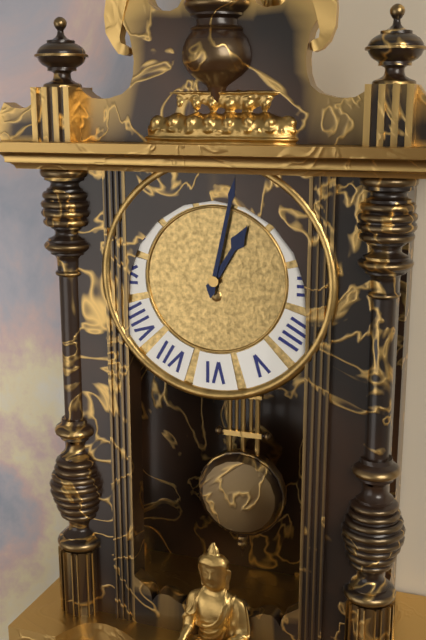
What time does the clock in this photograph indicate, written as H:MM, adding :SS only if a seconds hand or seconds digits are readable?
1:02
